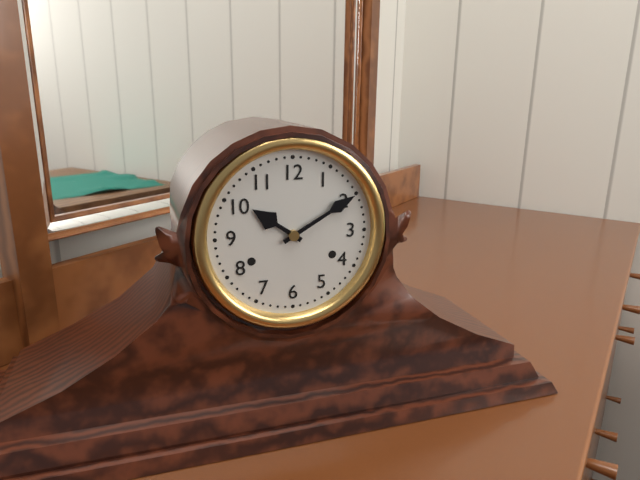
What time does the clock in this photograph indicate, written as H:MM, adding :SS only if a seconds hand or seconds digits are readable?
10:10
